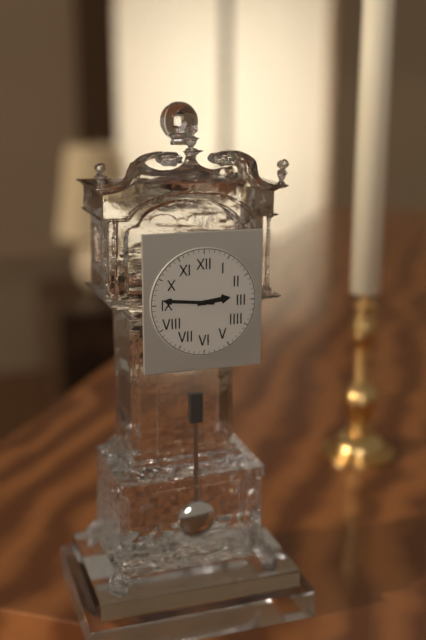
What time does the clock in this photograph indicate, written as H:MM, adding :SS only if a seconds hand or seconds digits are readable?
2:46
